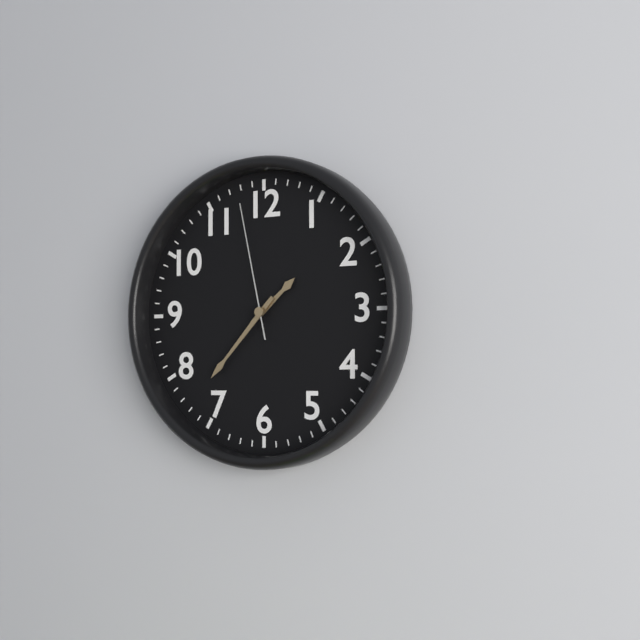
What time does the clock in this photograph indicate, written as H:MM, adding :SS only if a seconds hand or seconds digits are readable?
1:37:58
